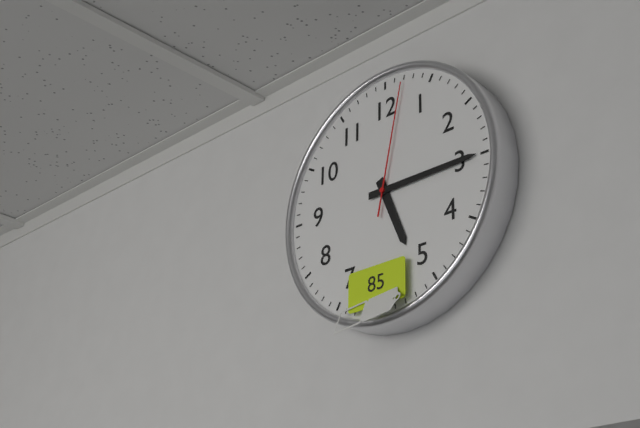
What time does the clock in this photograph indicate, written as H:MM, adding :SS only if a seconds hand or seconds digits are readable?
5:15:02
